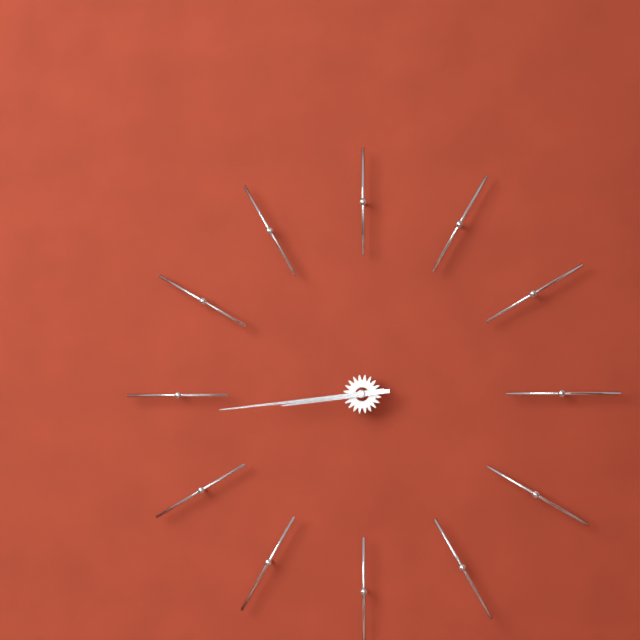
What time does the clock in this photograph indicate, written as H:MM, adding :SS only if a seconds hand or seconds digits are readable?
8:44
